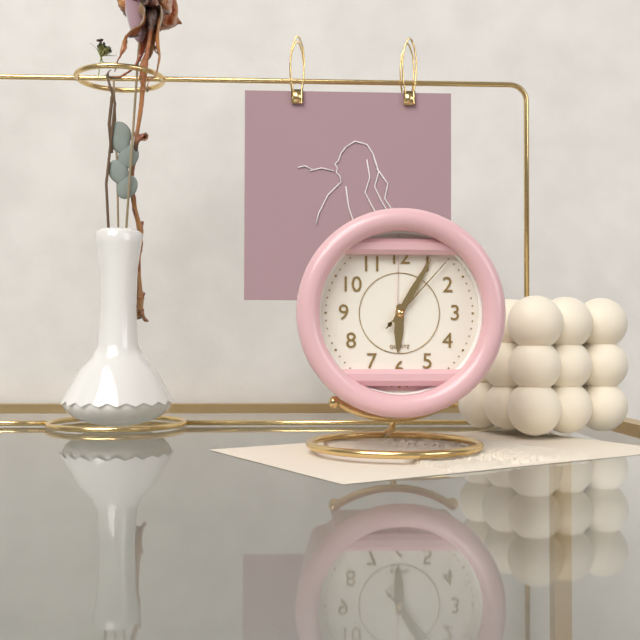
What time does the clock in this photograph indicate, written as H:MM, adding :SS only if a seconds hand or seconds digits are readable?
6:05:07
